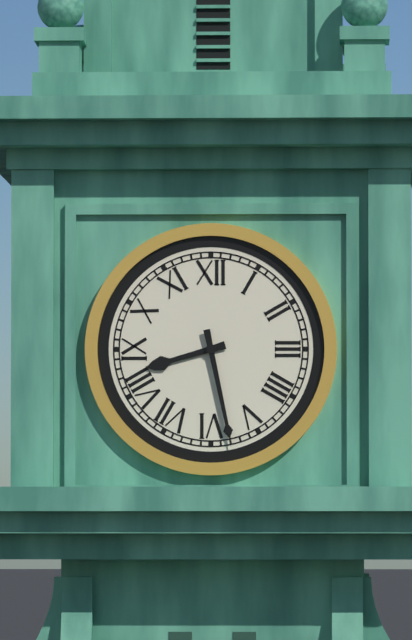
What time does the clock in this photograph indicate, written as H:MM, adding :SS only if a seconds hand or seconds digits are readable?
8:28
